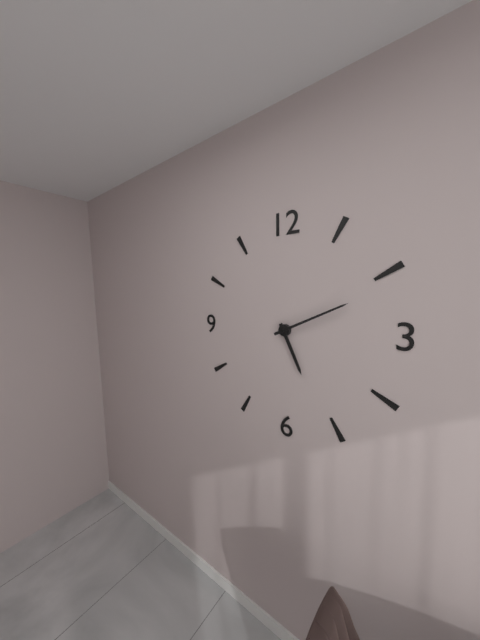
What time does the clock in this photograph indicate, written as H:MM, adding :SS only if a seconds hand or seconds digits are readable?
5:11
